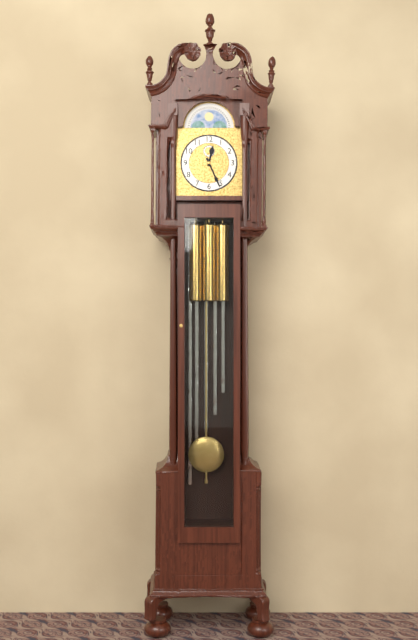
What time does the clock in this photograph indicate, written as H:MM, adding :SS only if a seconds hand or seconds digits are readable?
12:26
